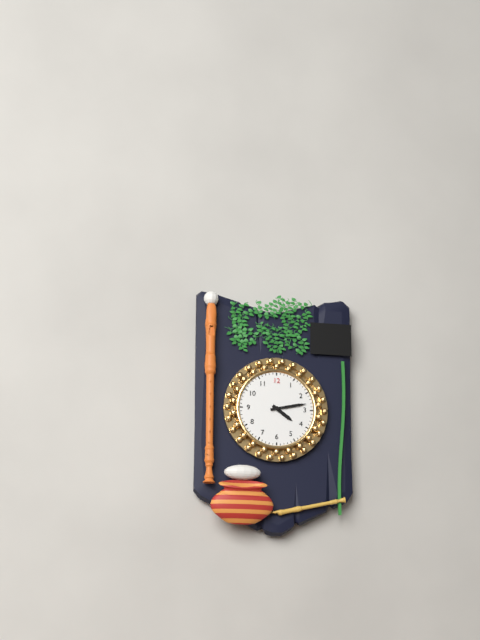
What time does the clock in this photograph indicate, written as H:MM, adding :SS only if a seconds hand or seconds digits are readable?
4:13
